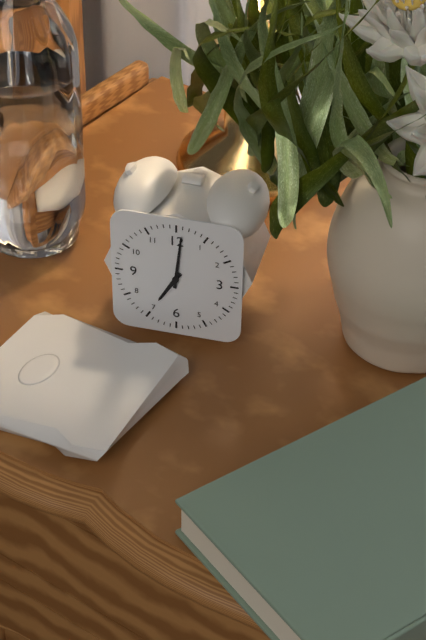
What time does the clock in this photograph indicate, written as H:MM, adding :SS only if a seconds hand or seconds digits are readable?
7:01
